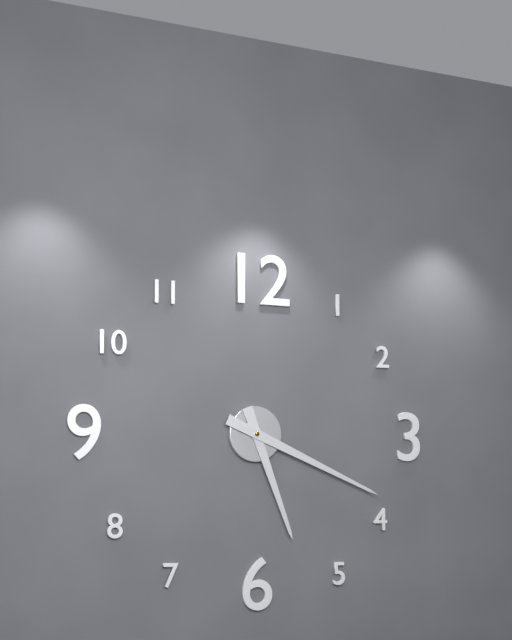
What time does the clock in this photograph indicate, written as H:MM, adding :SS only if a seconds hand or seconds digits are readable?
5:19
